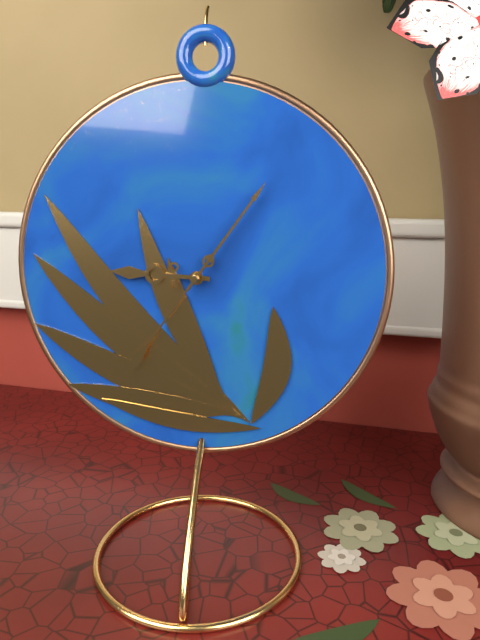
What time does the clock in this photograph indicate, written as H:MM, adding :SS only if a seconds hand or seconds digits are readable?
9:06:36
